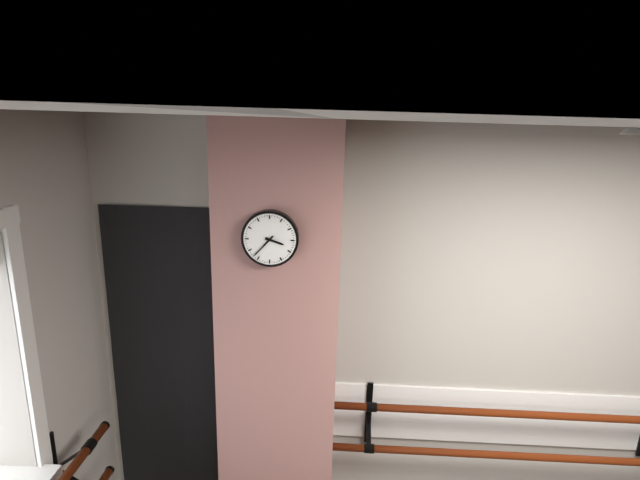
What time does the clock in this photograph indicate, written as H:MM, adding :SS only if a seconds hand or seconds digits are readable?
3:37
